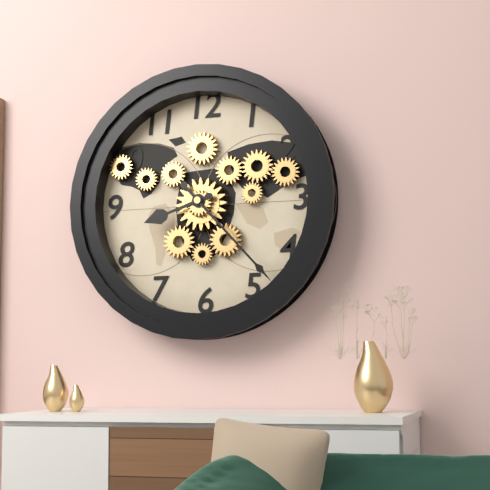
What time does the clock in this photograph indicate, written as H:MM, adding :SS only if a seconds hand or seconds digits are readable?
8:23
